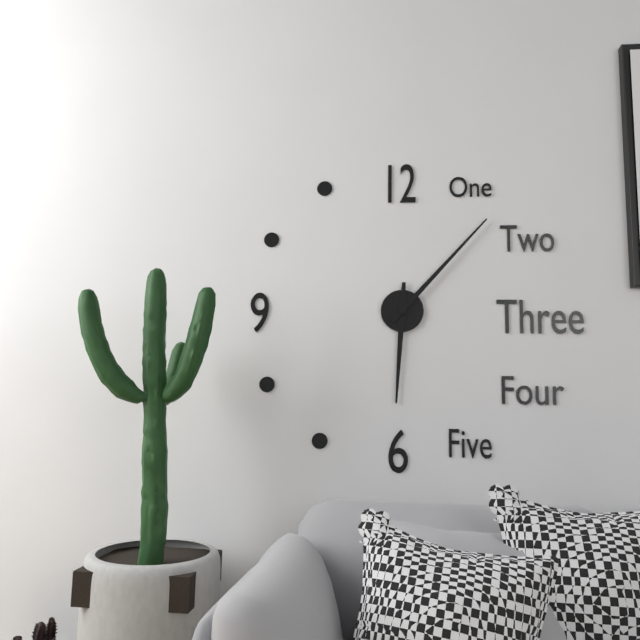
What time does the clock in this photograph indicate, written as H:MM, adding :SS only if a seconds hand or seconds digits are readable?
6:07
